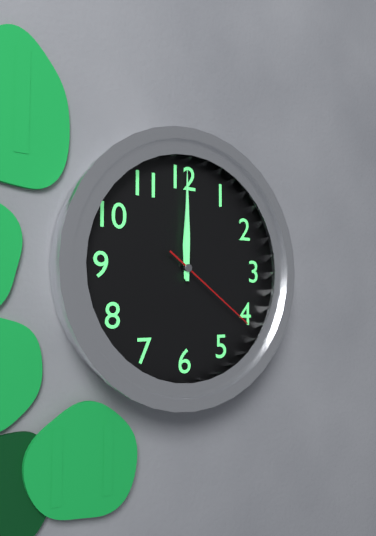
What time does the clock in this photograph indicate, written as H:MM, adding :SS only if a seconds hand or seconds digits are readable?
12:00:21
